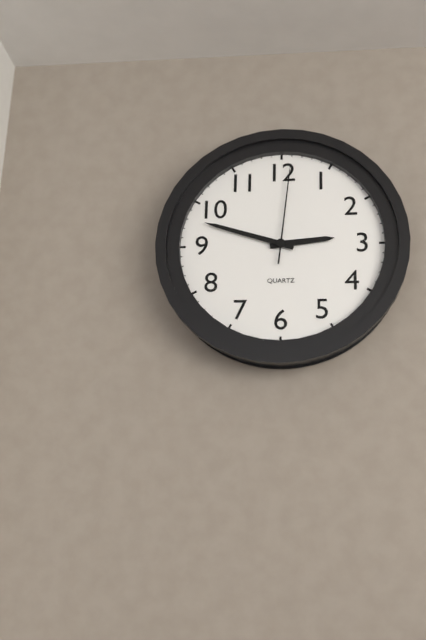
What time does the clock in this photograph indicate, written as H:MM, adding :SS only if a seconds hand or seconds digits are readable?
2:48:01
